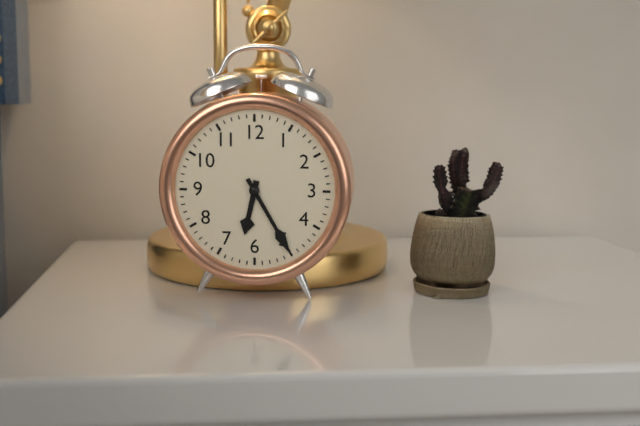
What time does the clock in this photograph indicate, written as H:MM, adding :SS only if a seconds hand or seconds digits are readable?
6:25
